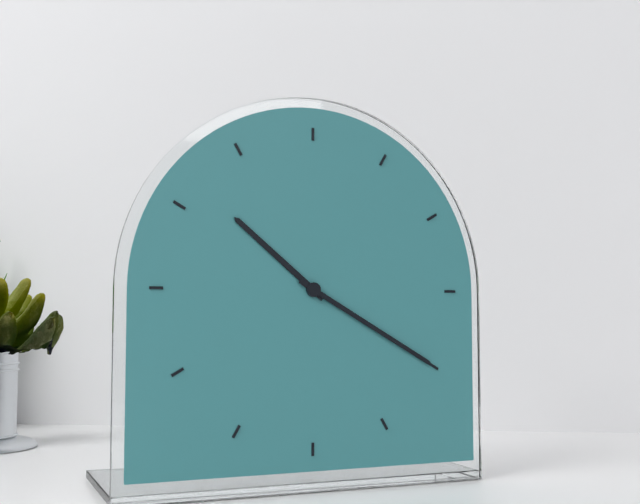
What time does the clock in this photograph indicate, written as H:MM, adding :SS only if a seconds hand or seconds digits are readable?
10:20
